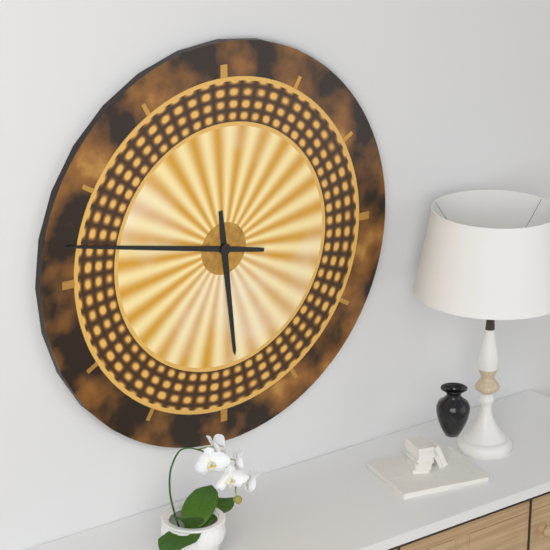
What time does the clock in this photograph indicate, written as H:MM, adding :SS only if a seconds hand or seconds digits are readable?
5:47
